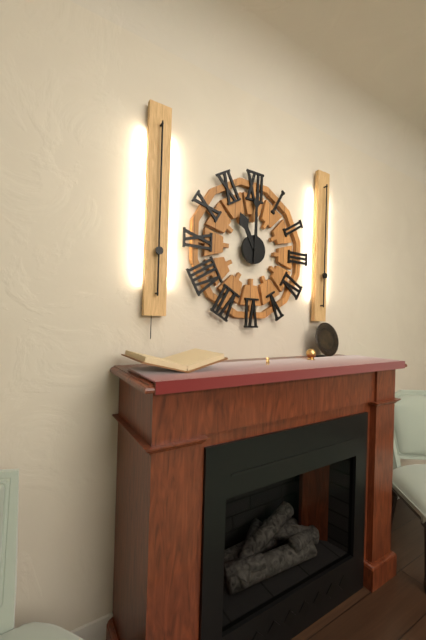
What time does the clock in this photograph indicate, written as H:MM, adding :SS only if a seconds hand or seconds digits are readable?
11:00
